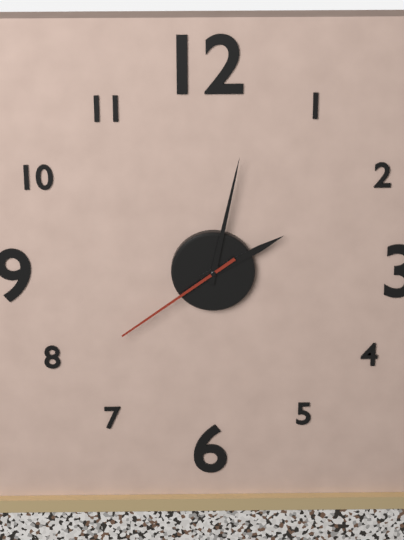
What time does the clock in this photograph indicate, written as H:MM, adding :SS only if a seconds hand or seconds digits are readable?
2:02:39
